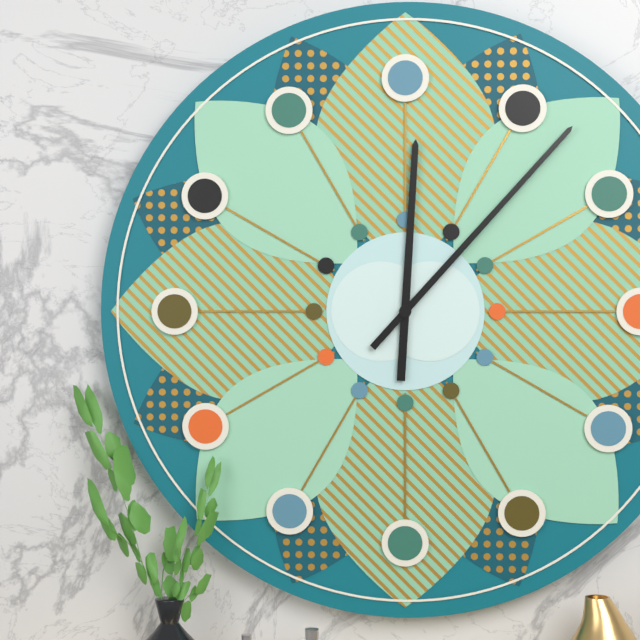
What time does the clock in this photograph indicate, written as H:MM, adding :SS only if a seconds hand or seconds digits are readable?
12:07
